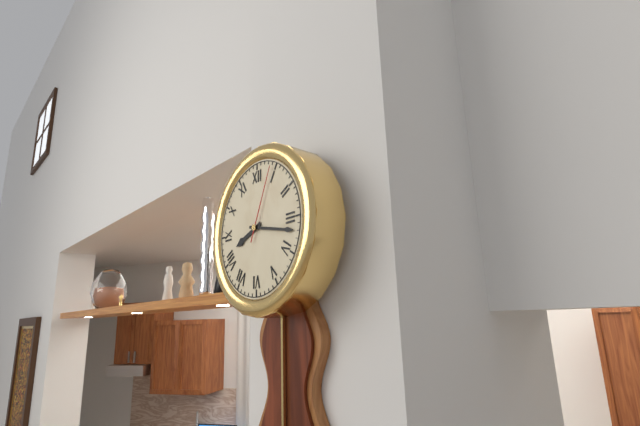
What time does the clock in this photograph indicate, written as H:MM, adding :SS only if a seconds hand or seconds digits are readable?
8:17:04
